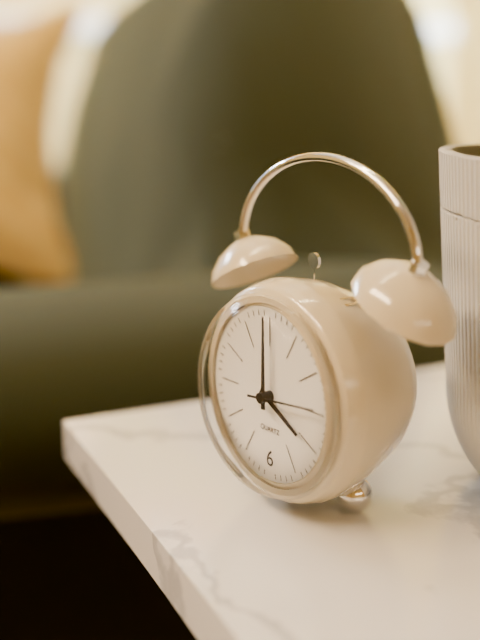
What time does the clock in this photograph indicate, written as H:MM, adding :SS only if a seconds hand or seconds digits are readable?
4:00:14
